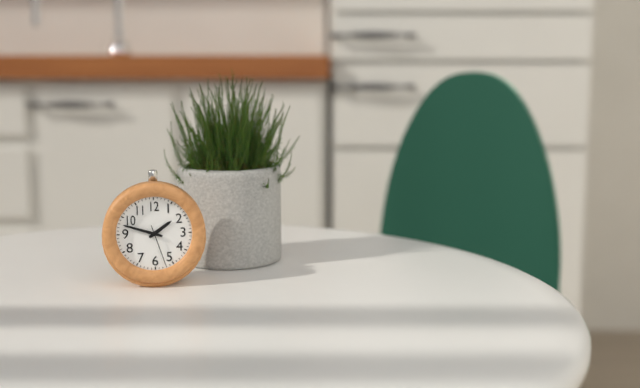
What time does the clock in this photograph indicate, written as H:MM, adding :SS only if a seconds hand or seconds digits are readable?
1:48
